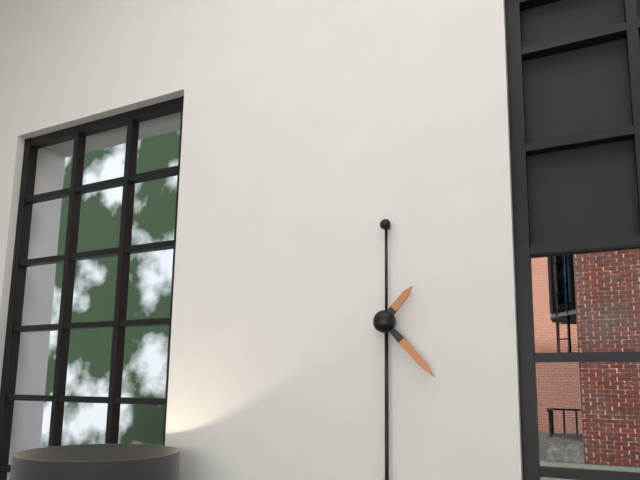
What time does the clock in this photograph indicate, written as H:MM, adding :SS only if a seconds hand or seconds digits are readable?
1:23
